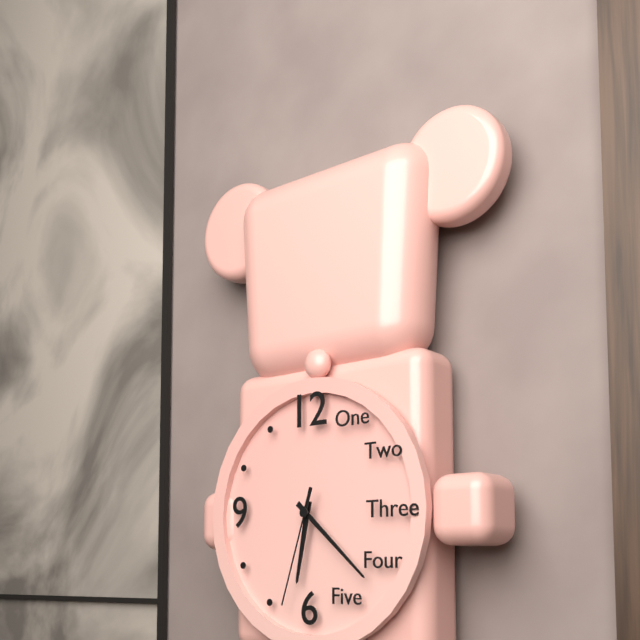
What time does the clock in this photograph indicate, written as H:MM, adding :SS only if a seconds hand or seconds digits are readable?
6:22:33
